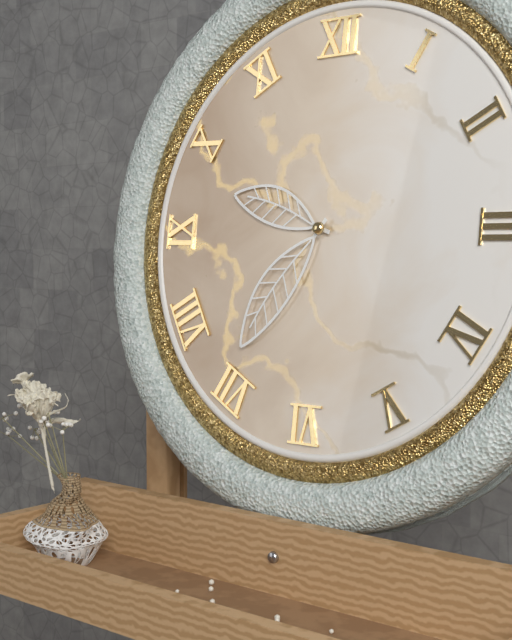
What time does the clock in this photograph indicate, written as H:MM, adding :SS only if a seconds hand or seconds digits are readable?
9:36
